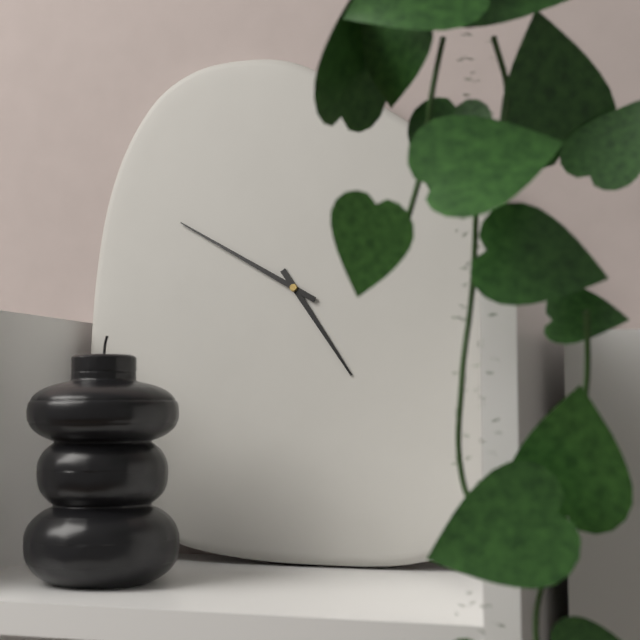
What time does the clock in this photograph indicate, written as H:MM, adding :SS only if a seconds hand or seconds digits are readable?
4:50
